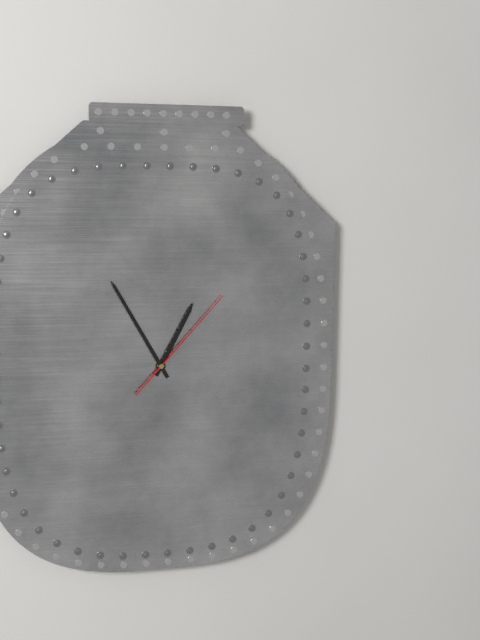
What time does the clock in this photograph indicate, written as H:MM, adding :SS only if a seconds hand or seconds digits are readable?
12:55:07
